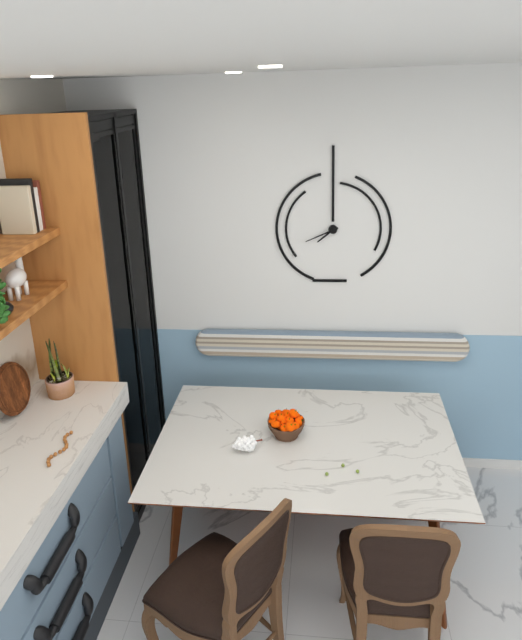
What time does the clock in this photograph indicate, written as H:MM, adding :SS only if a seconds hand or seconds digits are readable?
7:41
